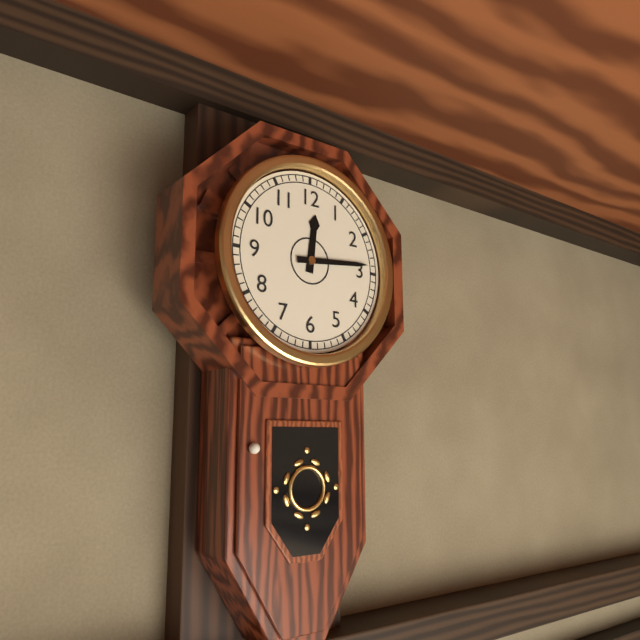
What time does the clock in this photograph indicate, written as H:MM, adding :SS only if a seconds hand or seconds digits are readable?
12:14
